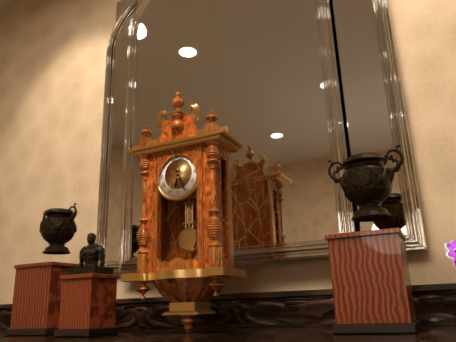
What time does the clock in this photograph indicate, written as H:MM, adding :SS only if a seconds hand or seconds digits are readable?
6:26
